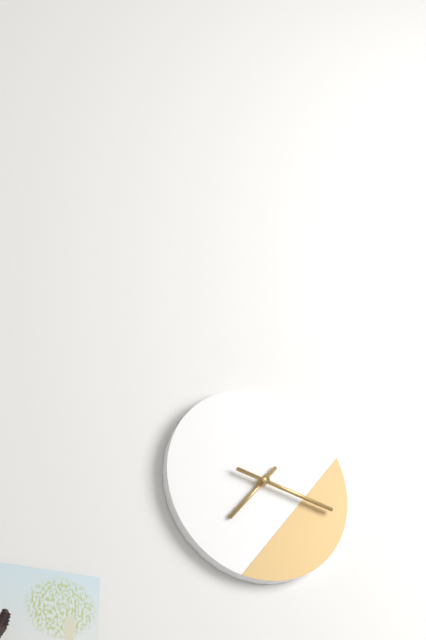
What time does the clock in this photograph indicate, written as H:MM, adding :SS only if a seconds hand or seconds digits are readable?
7:17
